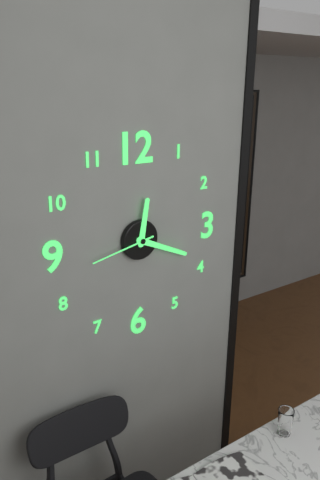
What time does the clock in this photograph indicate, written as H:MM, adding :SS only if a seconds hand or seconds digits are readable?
12:19:43
